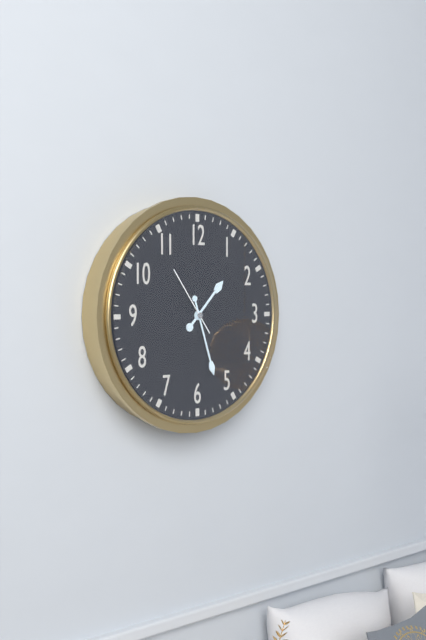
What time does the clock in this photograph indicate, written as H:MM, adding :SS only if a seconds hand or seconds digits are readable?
1:27:54
